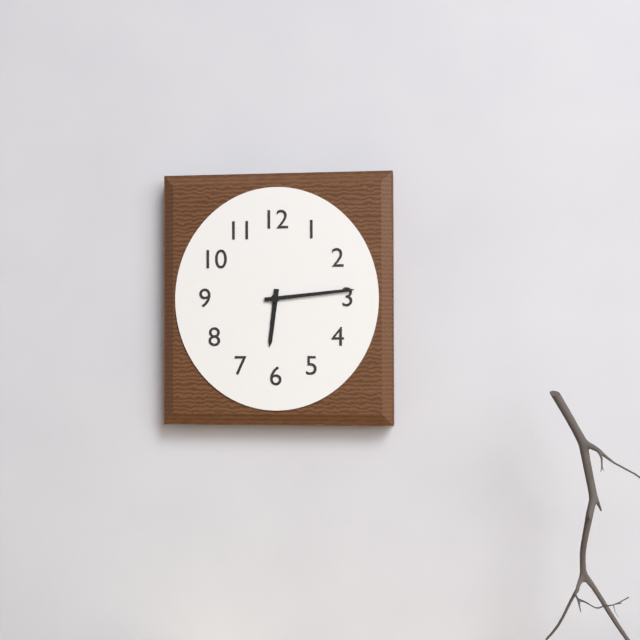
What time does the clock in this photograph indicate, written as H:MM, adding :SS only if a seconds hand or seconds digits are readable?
6:14
